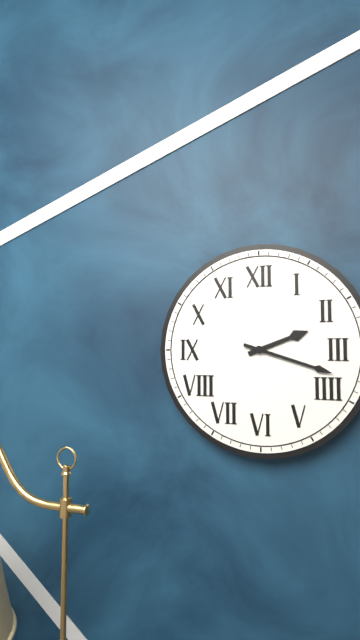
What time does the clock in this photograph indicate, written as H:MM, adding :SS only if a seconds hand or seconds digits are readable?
2:18
